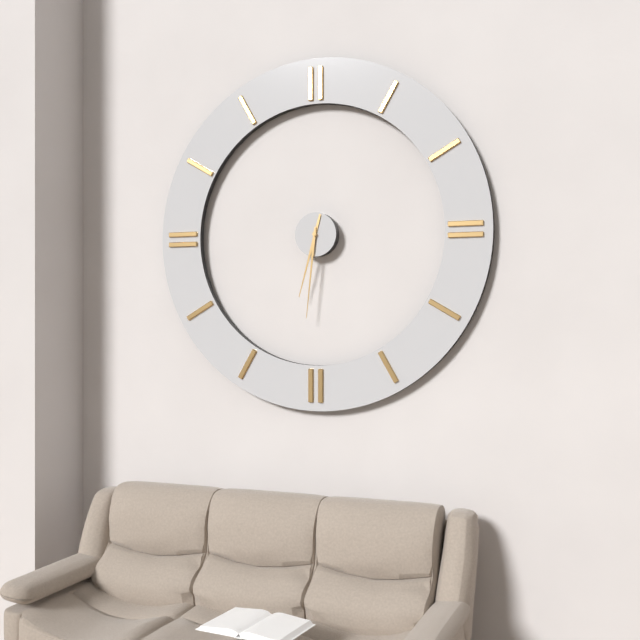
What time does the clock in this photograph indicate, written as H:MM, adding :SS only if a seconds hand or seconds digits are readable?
6:31
